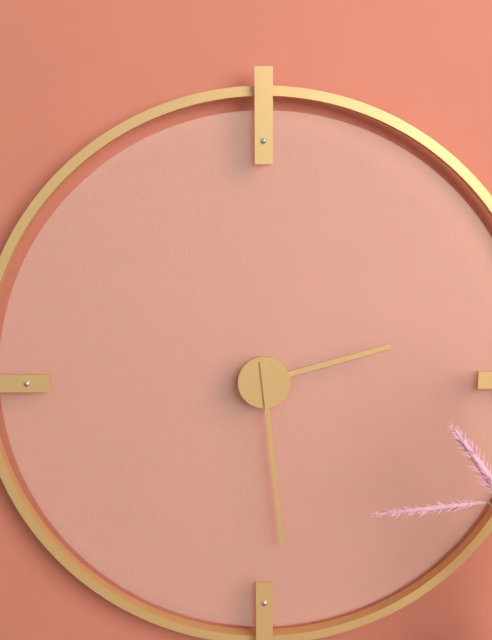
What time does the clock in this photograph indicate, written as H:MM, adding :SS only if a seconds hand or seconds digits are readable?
2:29
